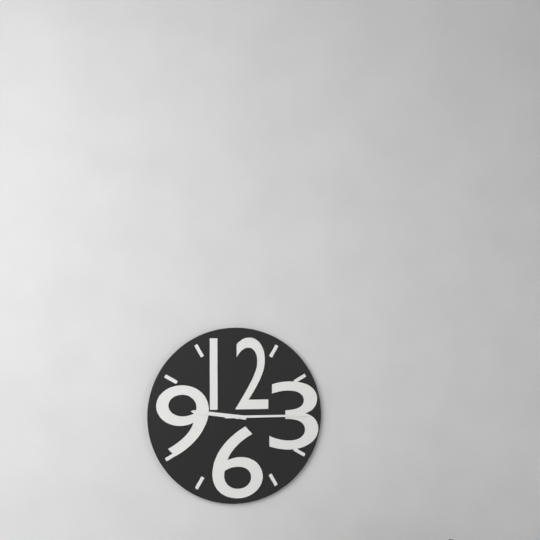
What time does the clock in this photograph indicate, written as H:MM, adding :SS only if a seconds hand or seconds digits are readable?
9:15
